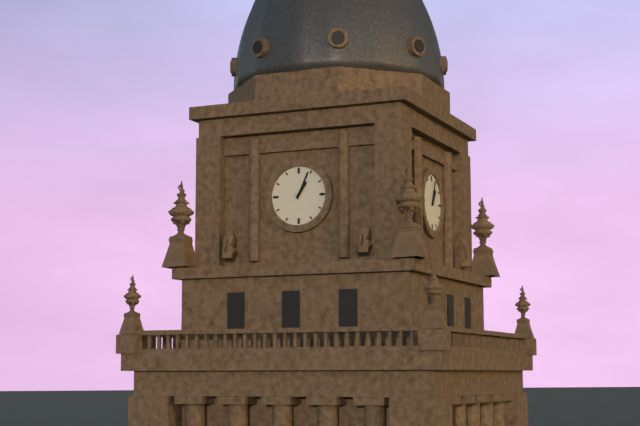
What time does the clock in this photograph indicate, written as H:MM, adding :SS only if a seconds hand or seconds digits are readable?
1:04
